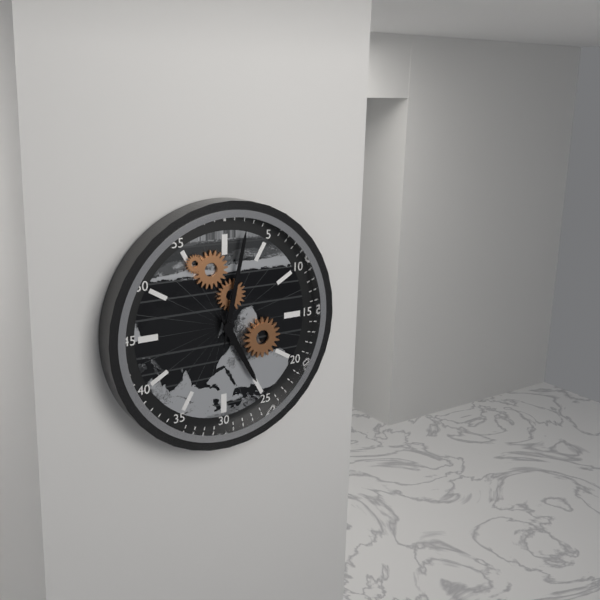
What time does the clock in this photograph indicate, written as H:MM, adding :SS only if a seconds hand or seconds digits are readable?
5:02
